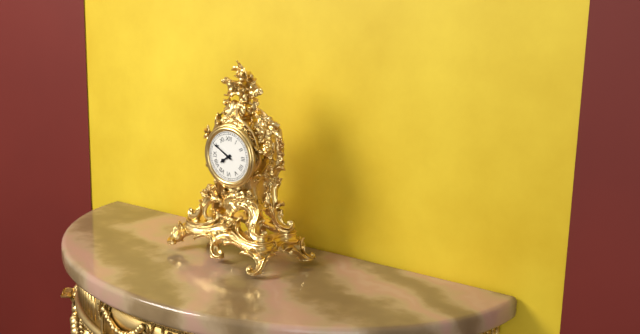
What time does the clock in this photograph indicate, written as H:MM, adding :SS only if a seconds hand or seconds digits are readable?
7:50
